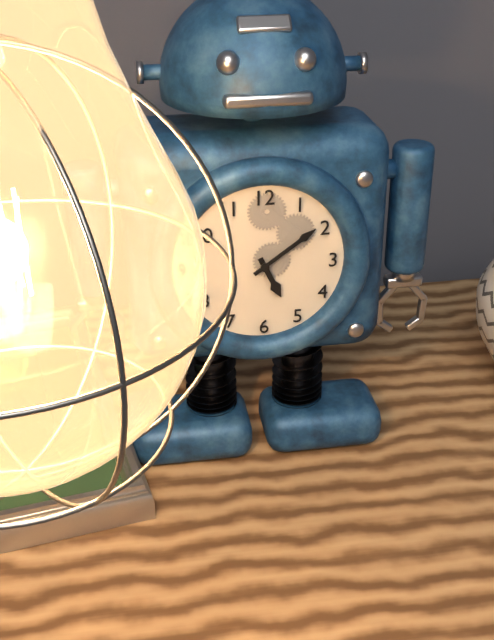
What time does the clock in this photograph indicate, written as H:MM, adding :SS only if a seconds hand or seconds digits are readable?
5:09
